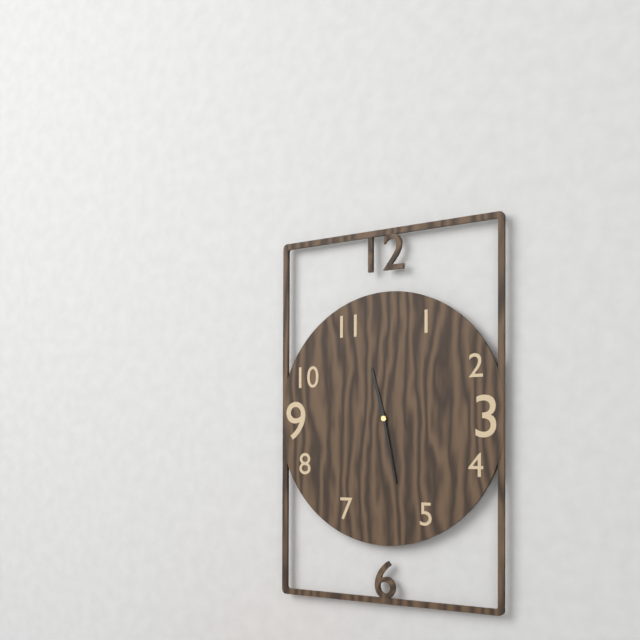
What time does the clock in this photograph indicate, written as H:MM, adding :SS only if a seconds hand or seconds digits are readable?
11:28
